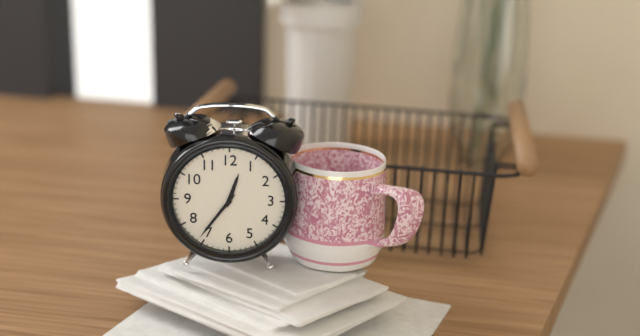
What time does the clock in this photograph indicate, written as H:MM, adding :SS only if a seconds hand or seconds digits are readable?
12:36
